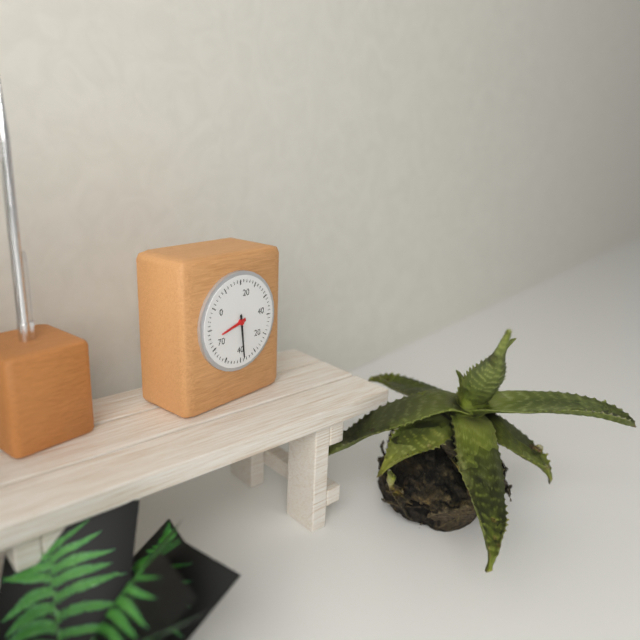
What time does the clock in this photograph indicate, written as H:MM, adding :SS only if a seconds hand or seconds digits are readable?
8:29
